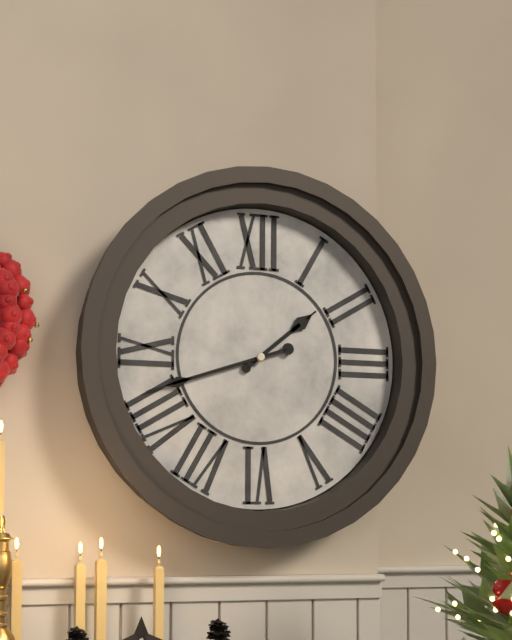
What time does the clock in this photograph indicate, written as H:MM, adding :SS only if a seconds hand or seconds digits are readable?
1:42
